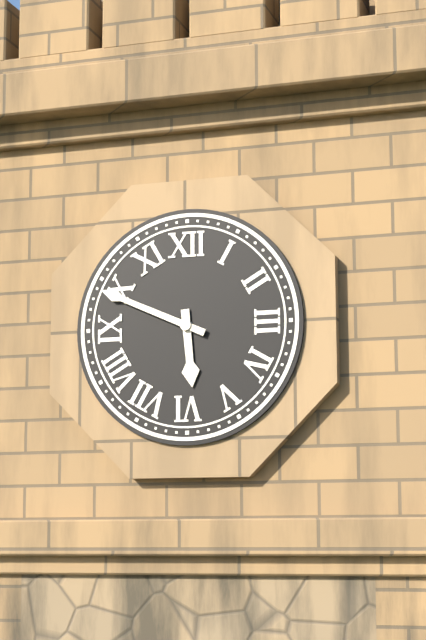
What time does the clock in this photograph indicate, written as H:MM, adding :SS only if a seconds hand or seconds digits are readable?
5:49
